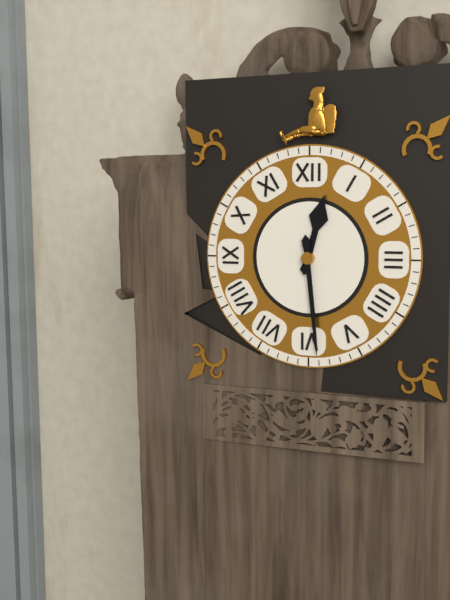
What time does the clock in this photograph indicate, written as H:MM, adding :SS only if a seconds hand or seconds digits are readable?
12:29
